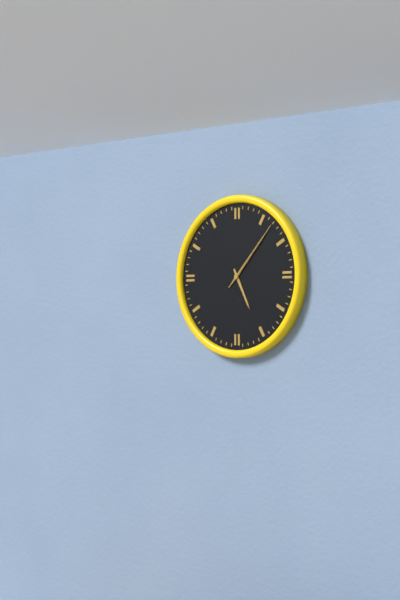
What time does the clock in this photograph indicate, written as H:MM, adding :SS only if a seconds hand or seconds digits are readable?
5:07:07
